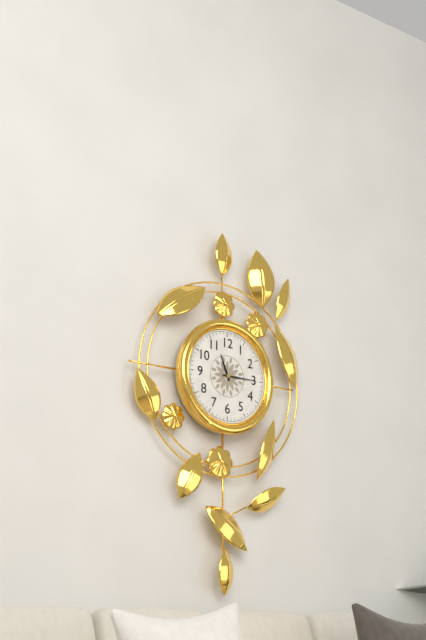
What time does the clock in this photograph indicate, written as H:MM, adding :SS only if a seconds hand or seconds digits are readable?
11:15
